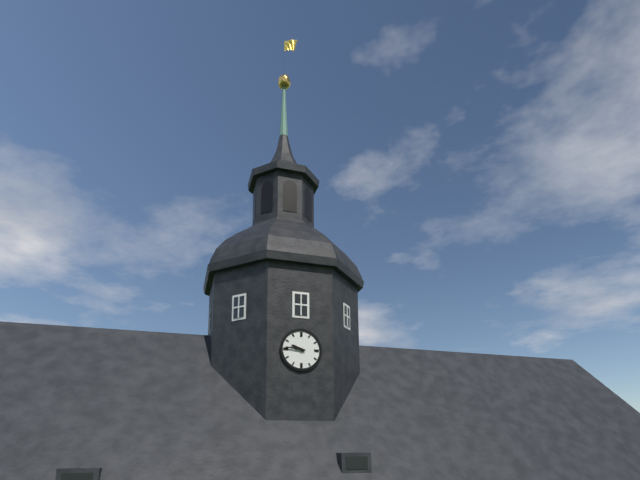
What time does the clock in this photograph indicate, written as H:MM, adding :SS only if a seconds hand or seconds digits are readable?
9:46
